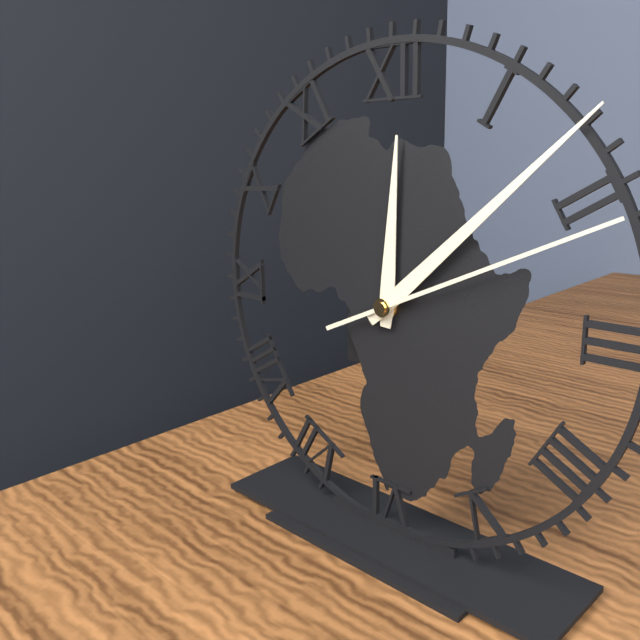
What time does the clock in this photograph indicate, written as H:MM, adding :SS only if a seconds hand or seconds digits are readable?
12:08:11
